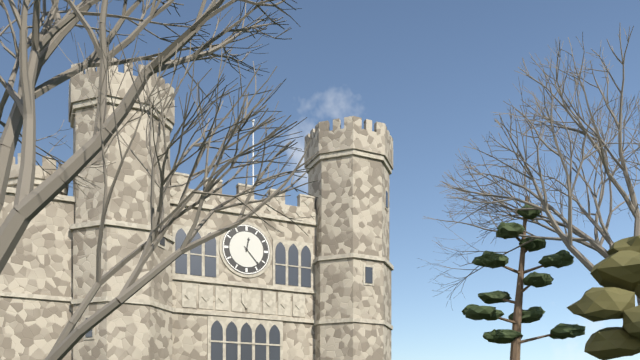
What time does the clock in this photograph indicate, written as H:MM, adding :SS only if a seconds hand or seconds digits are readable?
12:23
